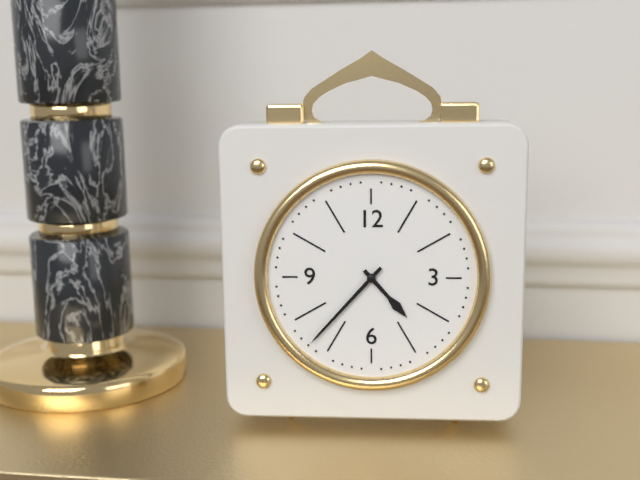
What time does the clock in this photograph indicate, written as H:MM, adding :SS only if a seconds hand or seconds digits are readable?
4:37
